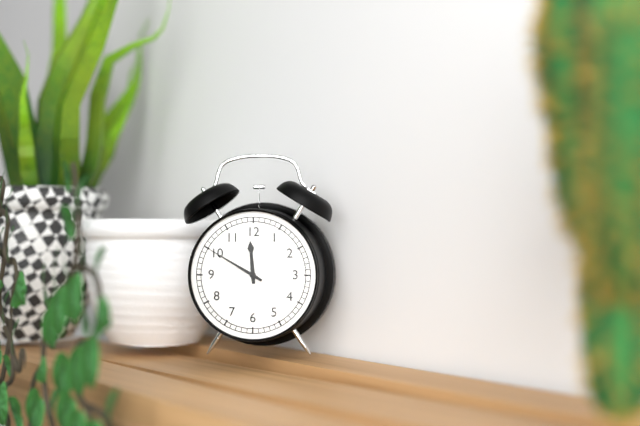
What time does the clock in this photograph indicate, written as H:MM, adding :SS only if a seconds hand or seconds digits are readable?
11:50
